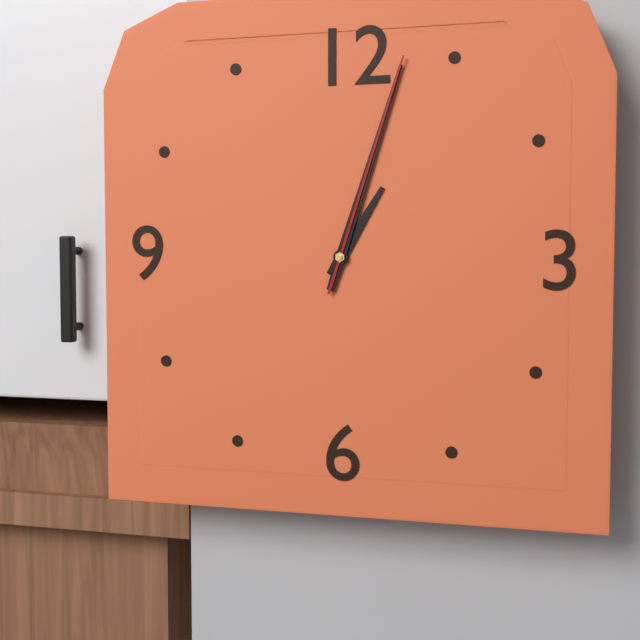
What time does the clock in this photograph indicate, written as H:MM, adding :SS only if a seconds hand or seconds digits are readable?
1:03:03
